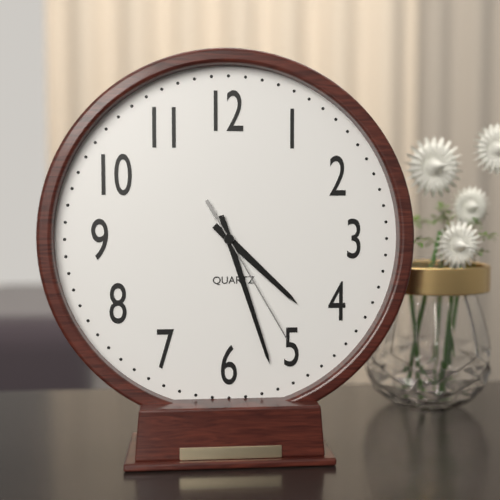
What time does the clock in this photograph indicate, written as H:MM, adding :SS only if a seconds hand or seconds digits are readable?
4:27:25
